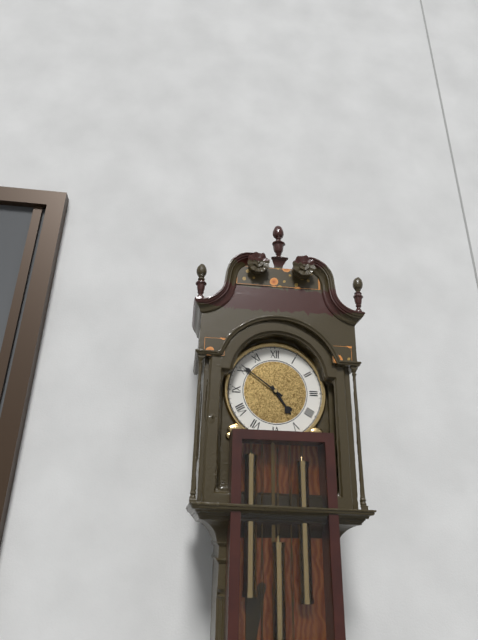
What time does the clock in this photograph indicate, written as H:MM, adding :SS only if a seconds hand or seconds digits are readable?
4:51
